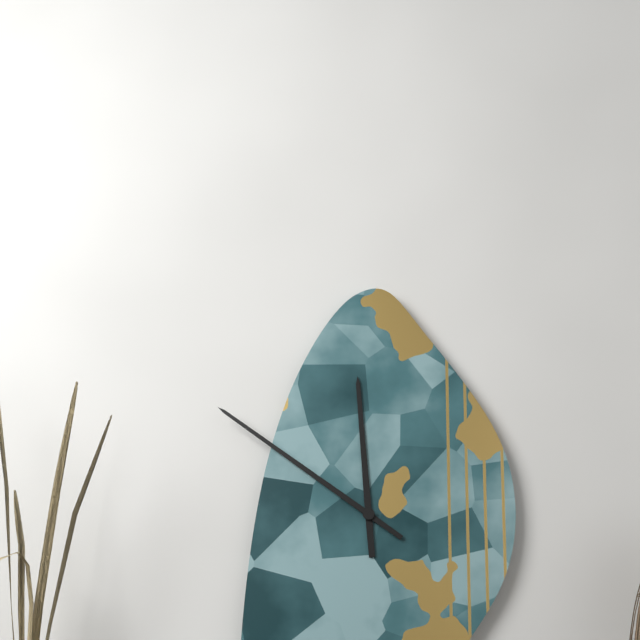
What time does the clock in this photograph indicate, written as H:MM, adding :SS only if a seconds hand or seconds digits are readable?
11:51
